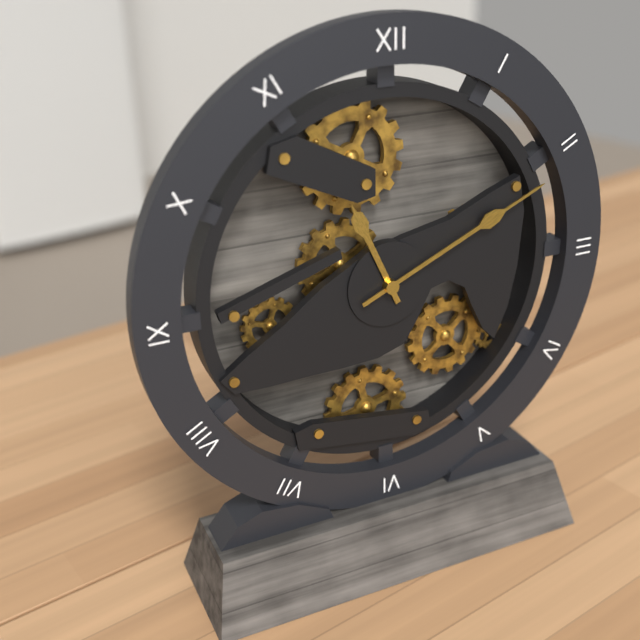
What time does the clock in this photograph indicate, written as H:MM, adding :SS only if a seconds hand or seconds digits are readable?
11:11
